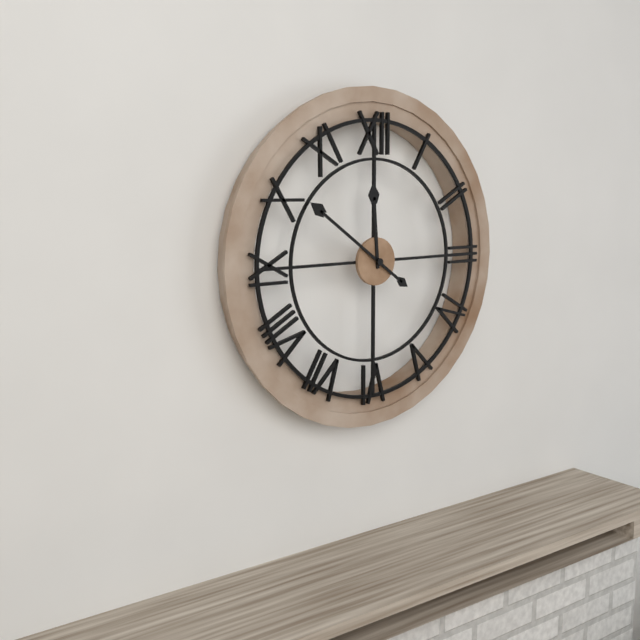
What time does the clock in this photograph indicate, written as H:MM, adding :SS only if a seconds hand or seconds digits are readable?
11:51
